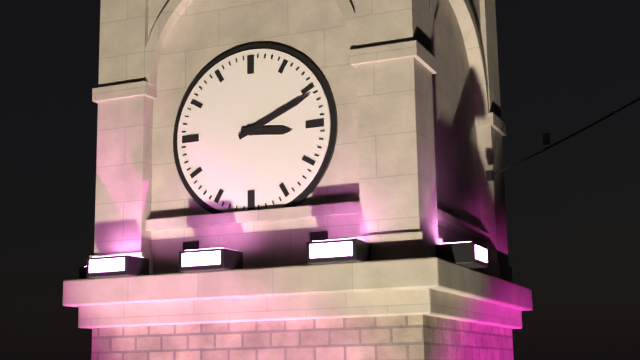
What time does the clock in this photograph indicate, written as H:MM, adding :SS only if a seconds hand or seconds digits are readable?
3:11
